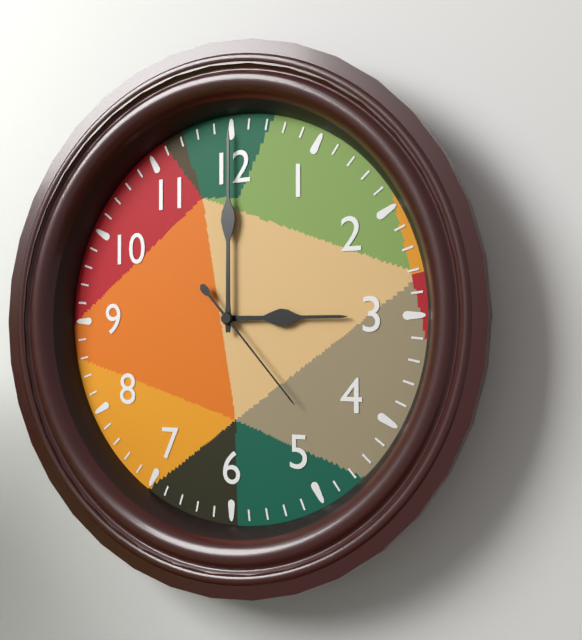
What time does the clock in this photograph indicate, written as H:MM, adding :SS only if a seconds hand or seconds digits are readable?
3:00:23
